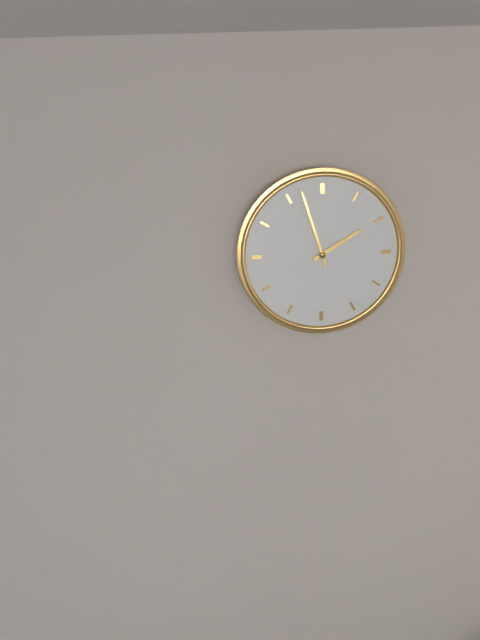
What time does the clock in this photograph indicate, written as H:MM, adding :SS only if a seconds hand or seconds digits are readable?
1:57
